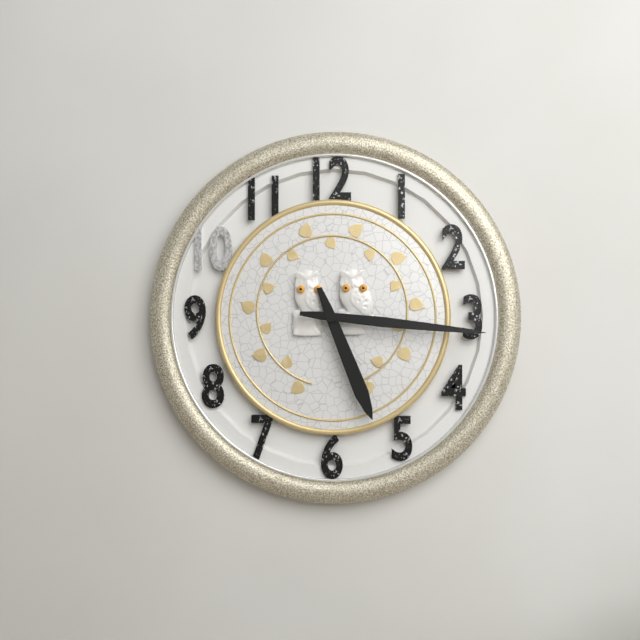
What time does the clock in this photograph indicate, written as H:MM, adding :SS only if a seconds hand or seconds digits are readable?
5:16
